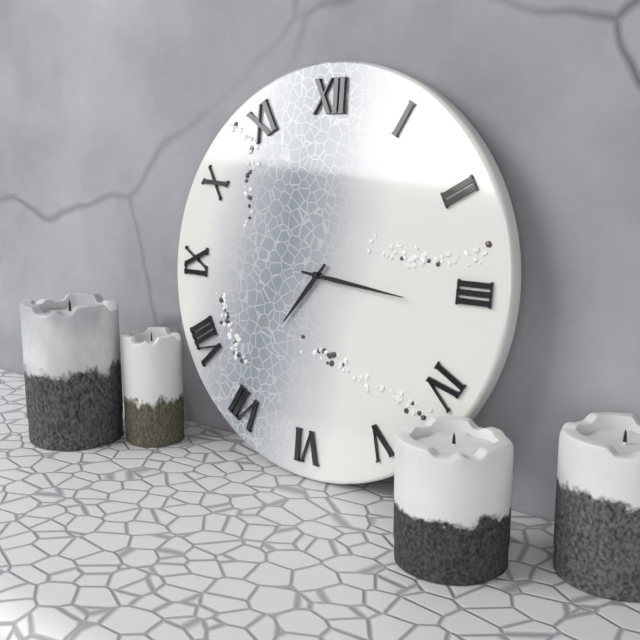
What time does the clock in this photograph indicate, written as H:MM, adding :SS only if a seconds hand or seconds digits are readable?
7:16
